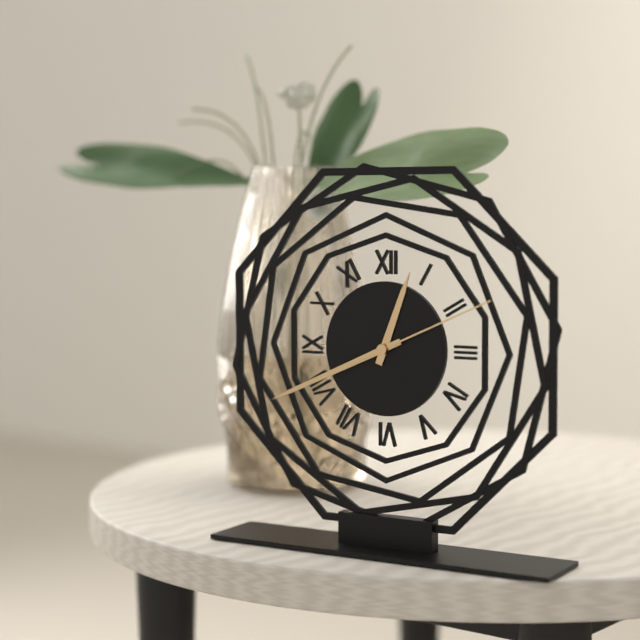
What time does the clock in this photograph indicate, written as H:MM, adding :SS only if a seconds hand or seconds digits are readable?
12:41:11
